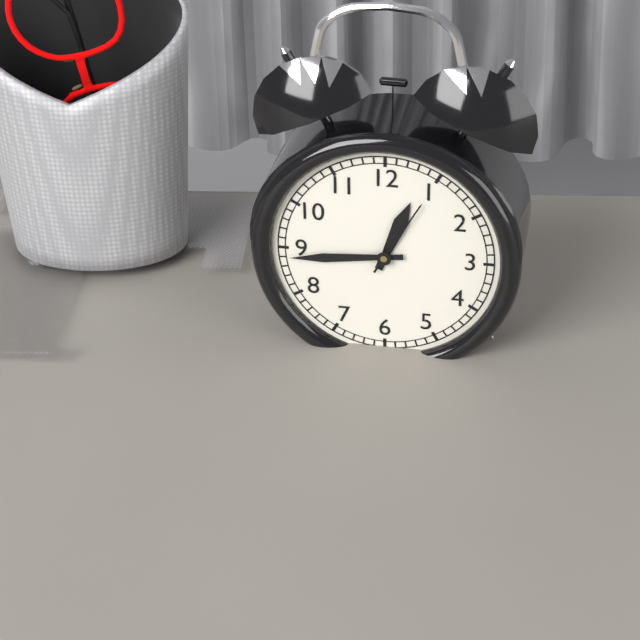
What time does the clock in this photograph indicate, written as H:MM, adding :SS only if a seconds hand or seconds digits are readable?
12:44:05
